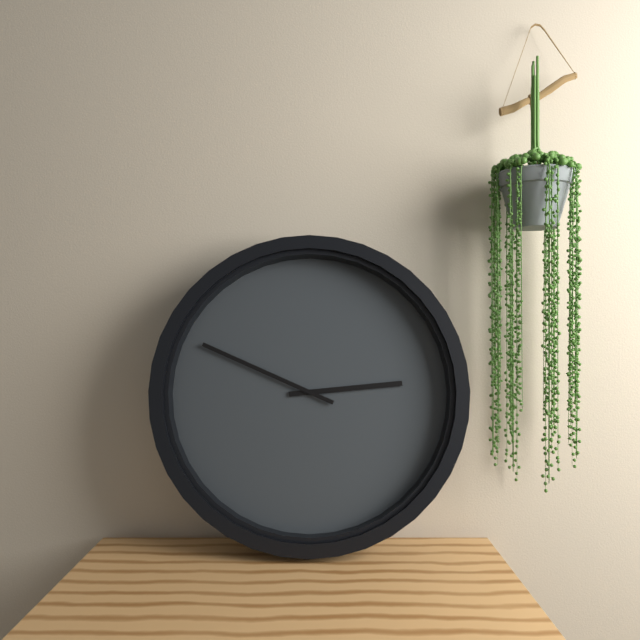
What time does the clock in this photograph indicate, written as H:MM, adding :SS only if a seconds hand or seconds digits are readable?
2:49
